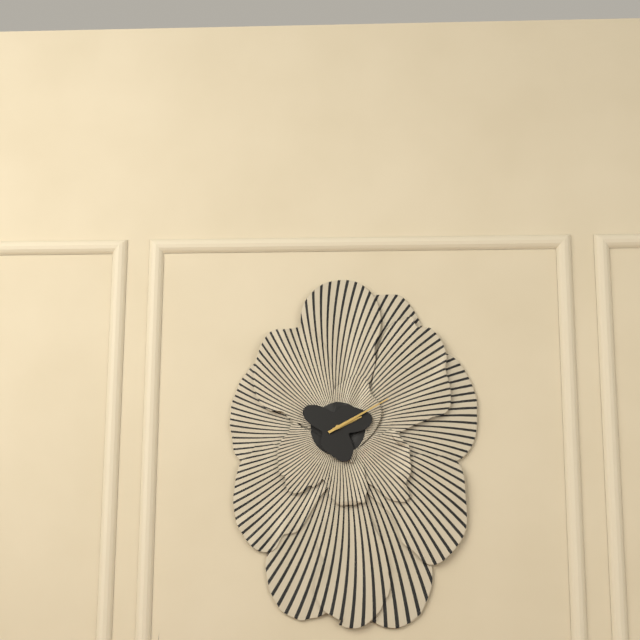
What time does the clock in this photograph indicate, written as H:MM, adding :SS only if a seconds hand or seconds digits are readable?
2:10
